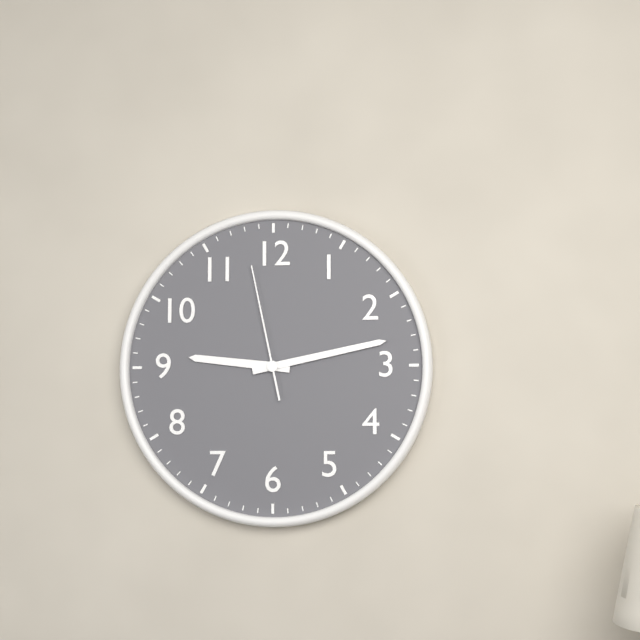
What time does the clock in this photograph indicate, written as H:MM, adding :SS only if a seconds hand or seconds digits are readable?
9:13:58
